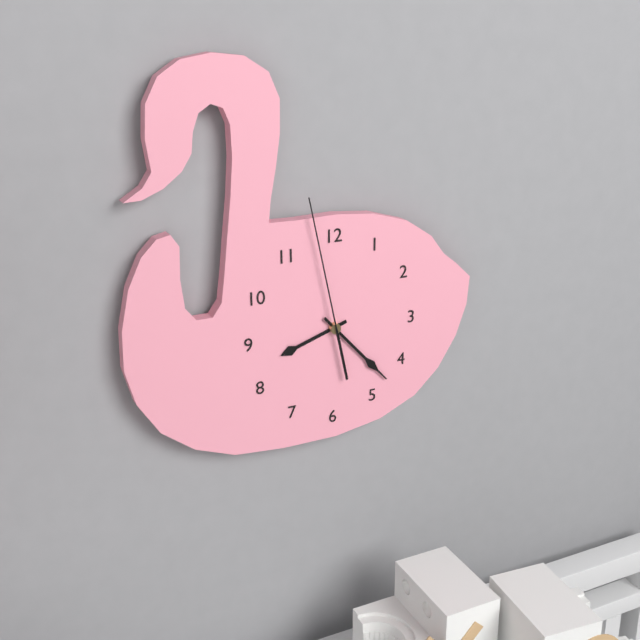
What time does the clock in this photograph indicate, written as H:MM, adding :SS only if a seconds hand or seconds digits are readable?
8:23:58
